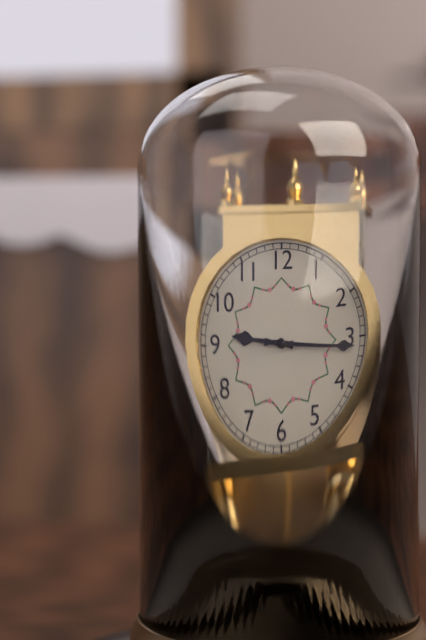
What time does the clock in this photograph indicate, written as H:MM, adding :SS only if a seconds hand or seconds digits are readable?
9:16
